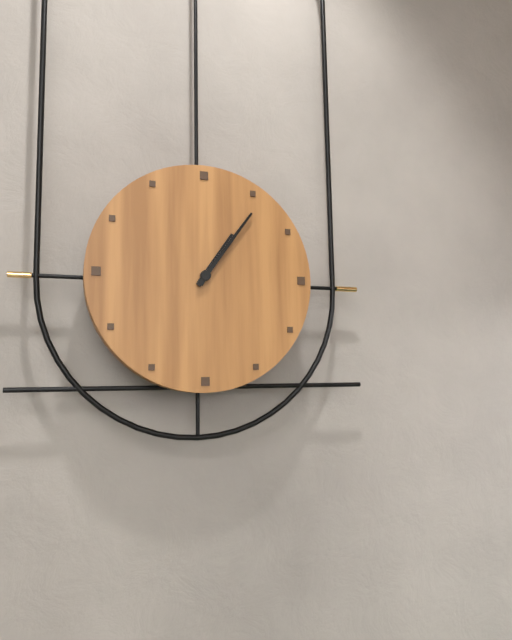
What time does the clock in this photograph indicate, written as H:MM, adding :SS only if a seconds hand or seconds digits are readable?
1:06
